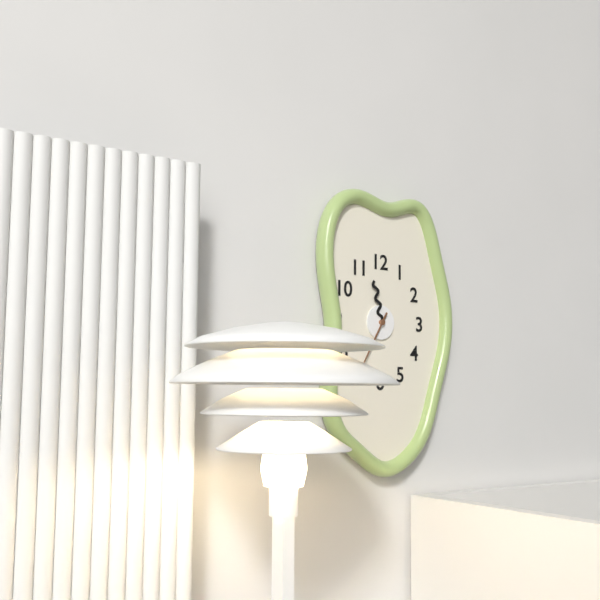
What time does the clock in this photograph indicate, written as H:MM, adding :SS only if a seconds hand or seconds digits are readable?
11:35
